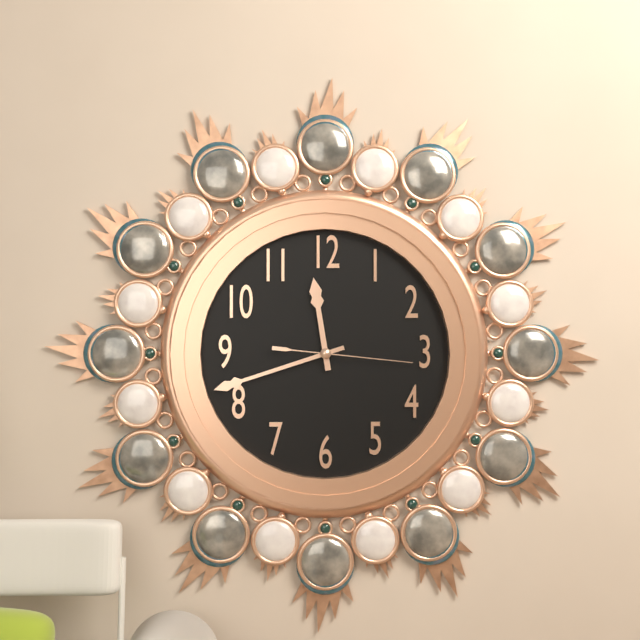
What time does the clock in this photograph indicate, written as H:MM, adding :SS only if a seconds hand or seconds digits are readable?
11:42:16
